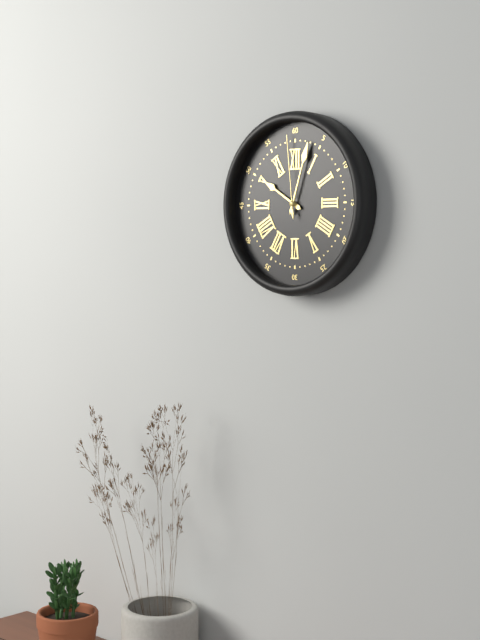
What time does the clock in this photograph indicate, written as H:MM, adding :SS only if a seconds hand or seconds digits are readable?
10:03:59
